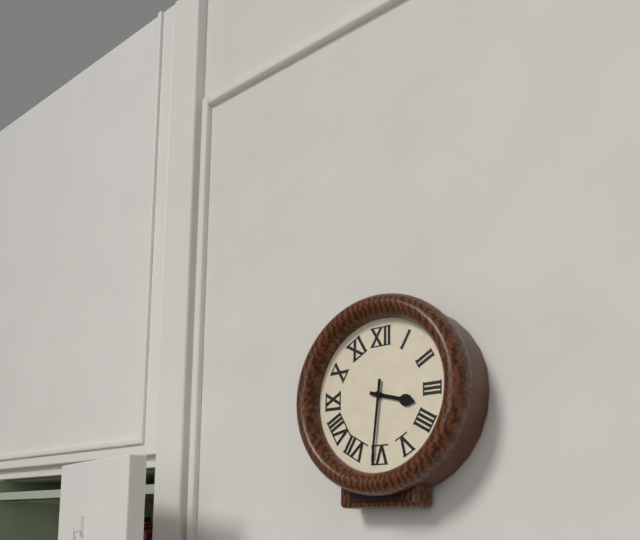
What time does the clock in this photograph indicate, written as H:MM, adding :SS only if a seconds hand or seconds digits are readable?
3:31
